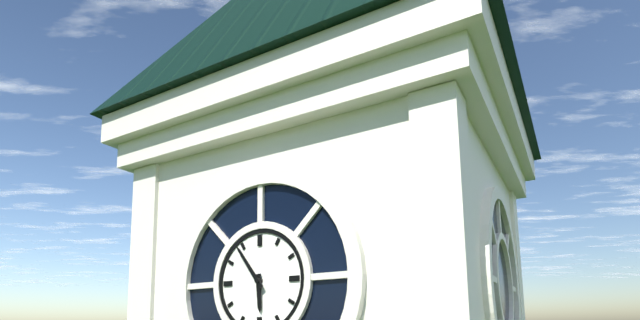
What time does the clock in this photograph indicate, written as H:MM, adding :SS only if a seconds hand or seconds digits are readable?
5:54
